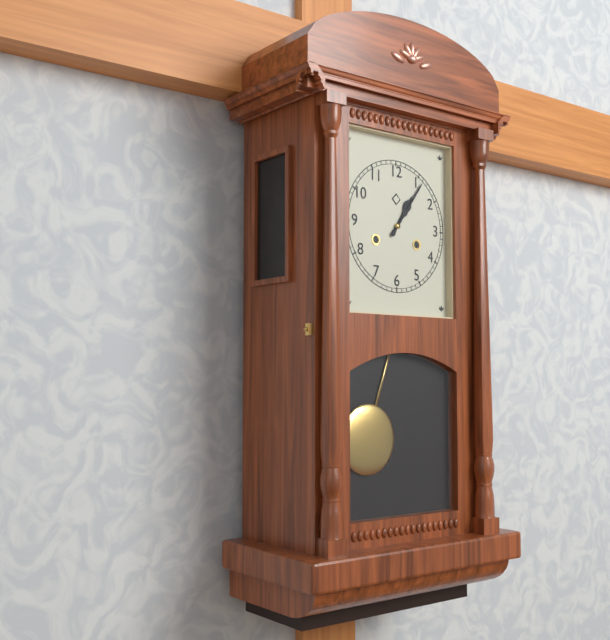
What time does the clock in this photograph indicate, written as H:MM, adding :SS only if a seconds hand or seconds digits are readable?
1:06
